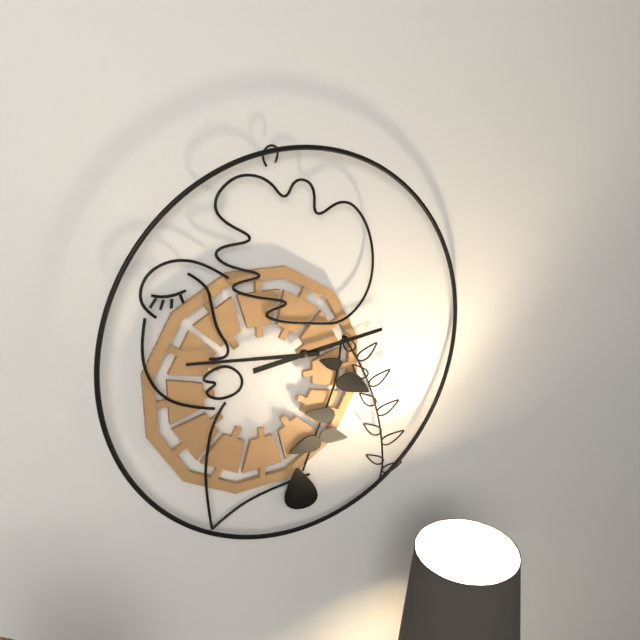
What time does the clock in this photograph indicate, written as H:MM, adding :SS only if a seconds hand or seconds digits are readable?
2:46
